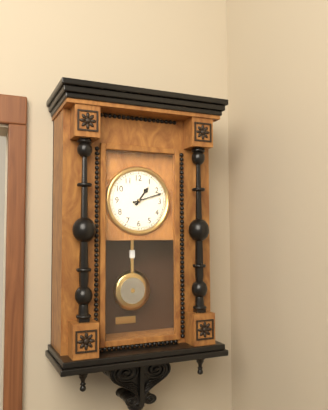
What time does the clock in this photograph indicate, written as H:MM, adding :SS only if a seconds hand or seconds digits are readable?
1:12
